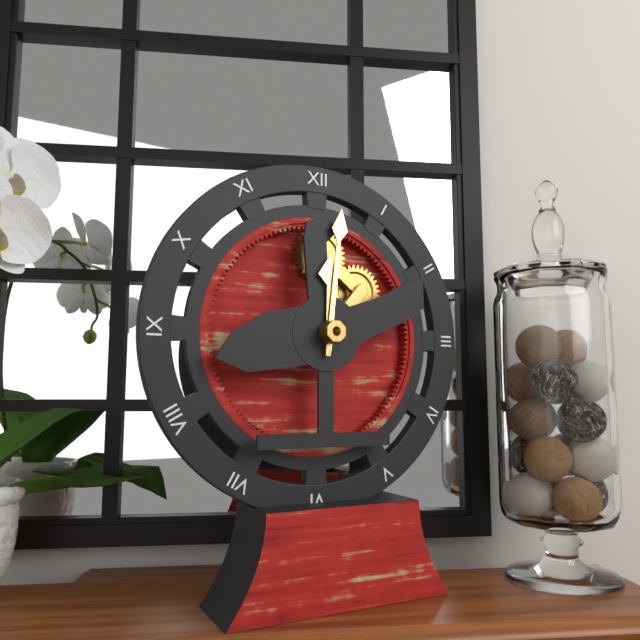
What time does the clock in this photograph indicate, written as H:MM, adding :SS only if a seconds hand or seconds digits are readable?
12:01
